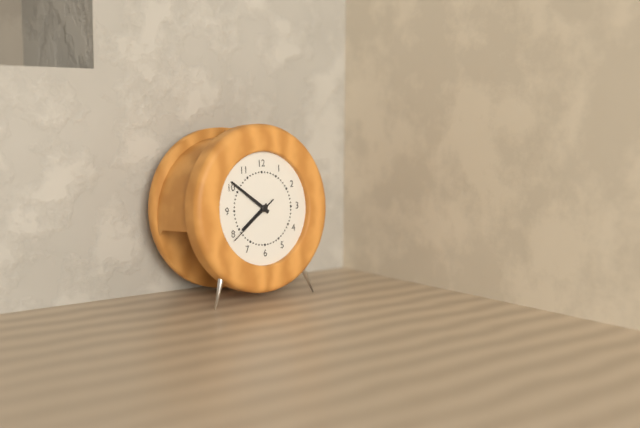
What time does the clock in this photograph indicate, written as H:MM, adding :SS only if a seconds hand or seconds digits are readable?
7:51:39
